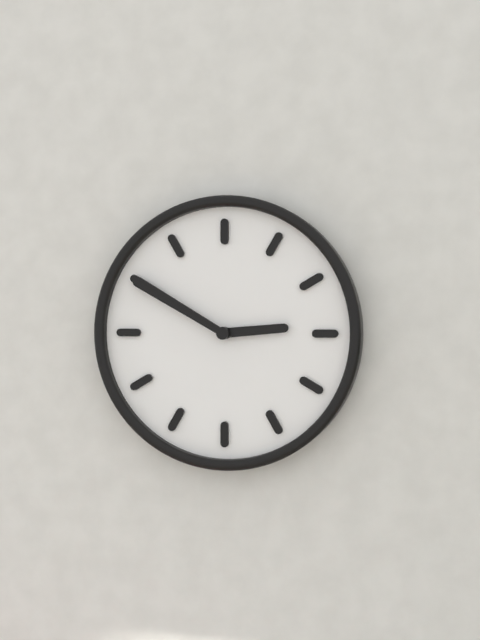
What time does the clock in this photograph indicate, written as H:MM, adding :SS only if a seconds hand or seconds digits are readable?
2:50
